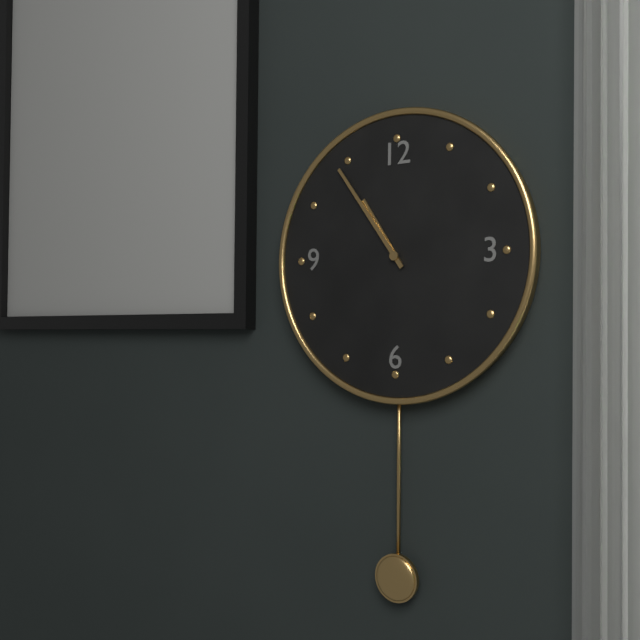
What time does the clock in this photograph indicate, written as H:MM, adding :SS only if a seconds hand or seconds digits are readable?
10:54
